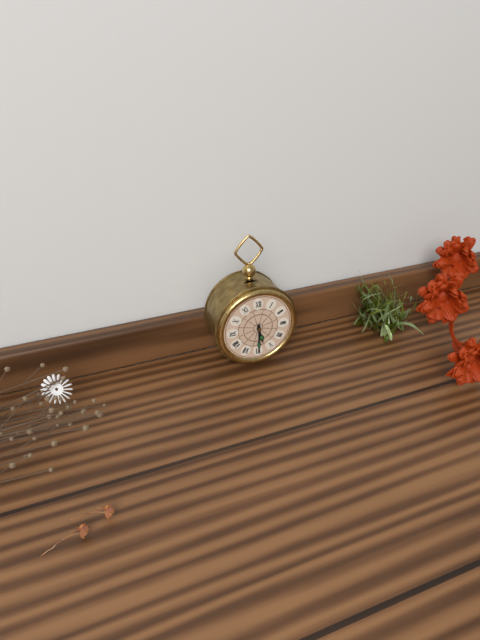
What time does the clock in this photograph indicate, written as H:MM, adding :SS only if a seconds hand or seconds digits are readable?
5:30
